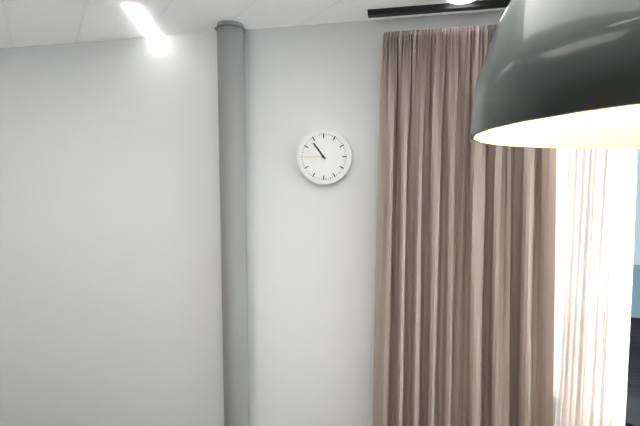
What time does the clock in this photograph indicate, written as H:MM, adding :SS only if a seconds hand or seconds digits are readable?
10:45
